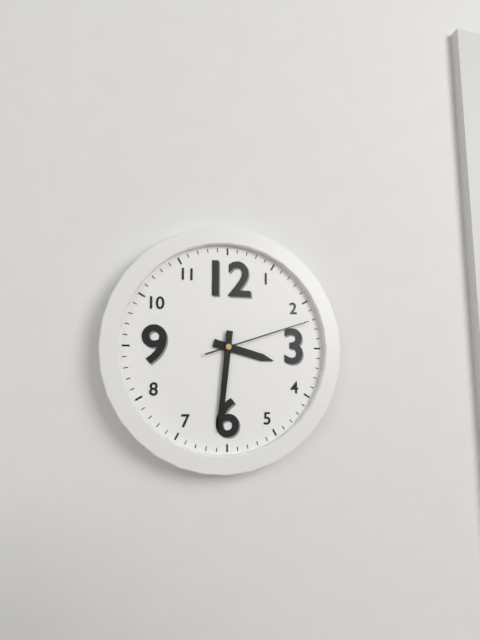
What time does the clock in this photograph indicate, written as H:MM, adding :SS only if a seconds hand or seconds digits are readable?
3:31:12
